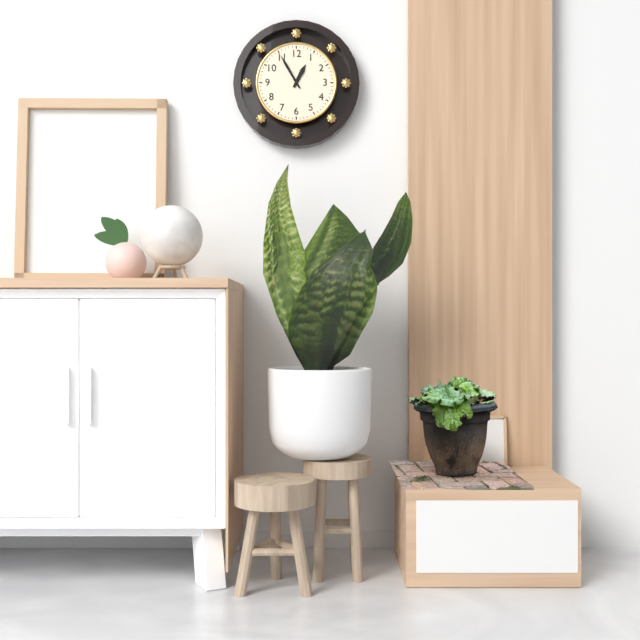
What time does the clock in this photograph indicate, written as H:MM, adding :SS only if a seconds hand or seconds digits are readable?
12:55
